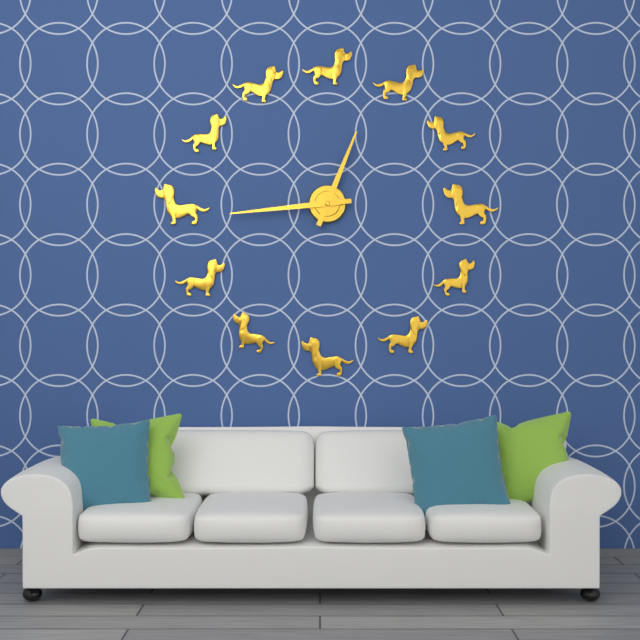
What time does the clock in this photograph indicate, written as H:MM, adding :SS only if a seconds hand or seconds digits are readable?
12:44
